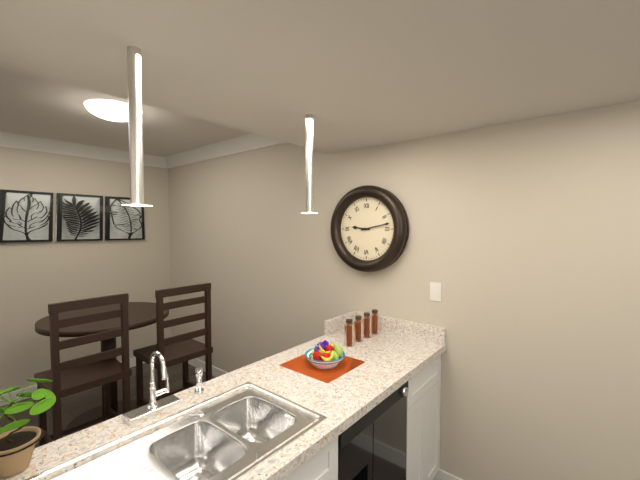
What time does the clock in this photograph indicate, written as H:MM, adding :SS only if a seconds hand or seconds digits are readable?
9:13
